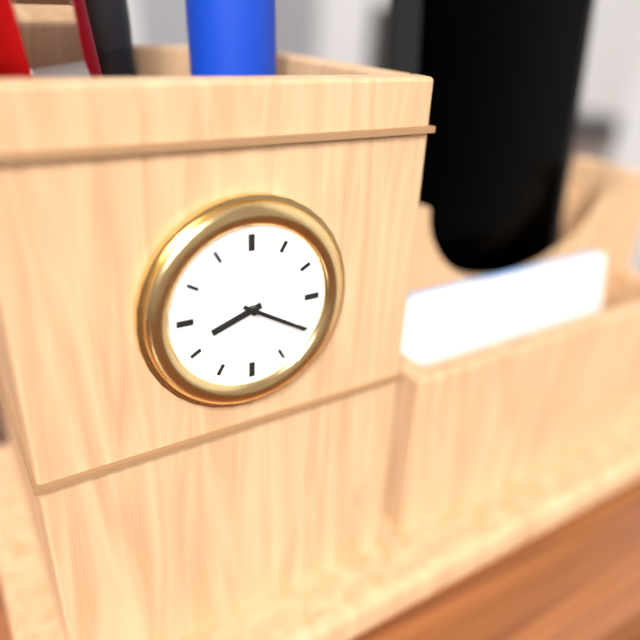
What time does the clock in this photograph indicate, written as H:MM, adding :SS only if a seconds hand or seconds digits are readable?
8:20
